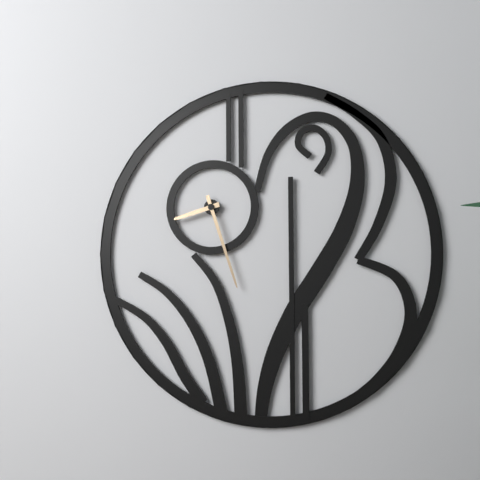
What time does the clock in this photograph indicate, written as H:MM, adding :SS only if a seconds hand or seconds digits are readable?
8:27
